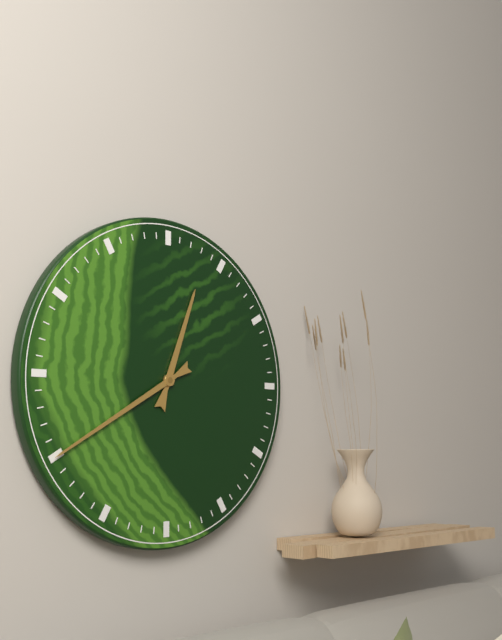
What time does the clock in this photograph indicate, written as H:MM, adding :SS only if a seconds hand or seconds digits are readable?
12:40
